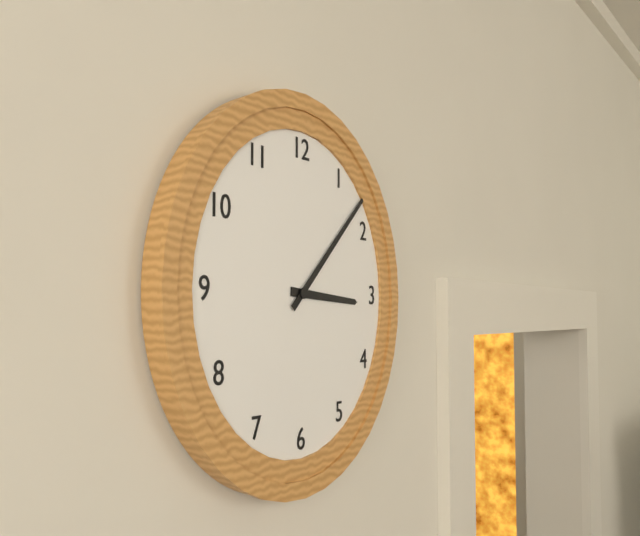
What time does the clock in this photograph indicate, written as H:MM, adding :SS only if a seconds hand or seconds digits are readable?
3:08
